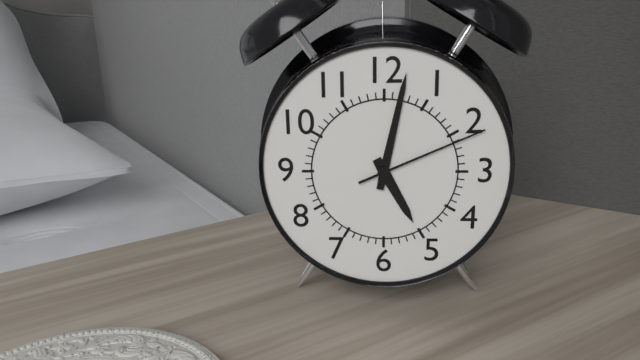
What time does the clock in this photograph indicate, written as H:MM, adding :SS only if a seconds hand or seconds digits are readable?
5:02:11
